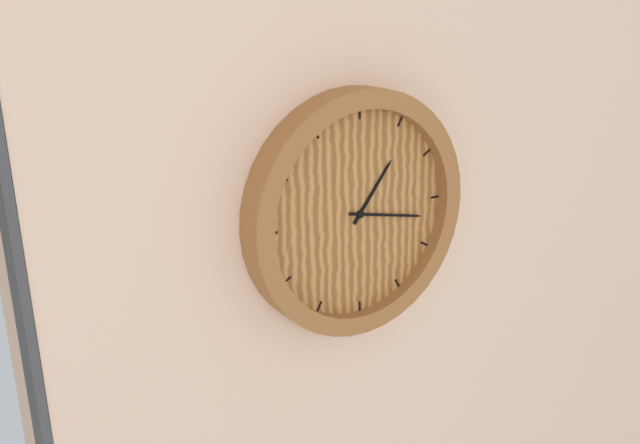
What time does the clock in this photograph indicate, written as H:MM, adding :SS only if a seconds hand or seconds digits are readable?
1:17
